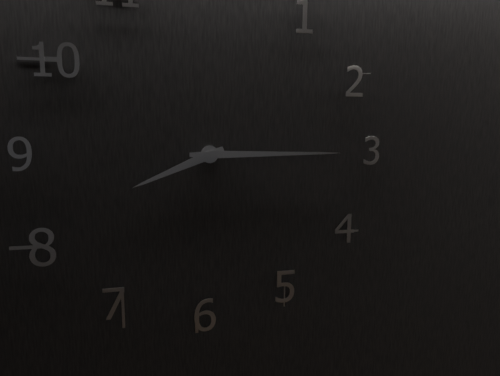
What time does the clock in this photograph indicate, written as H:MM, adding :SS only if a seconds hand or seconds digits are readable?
8:15
